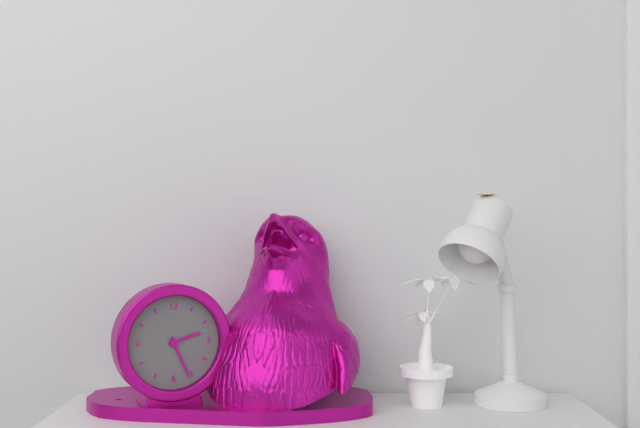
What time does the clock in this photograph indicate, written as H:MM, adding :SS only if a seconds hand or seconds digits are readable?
2:26
